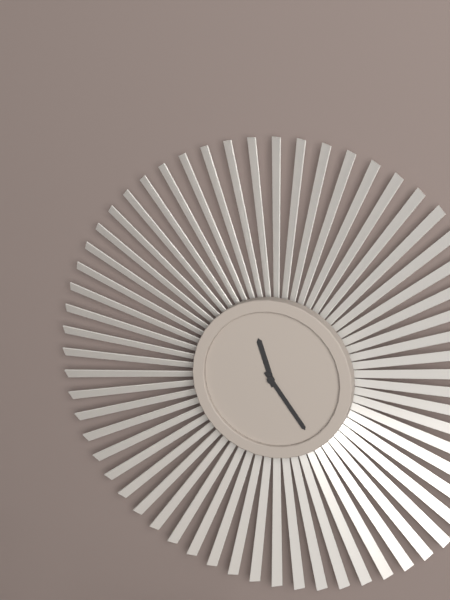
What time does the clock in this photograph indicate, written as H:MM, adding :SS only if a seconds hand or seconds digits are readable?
11:24
